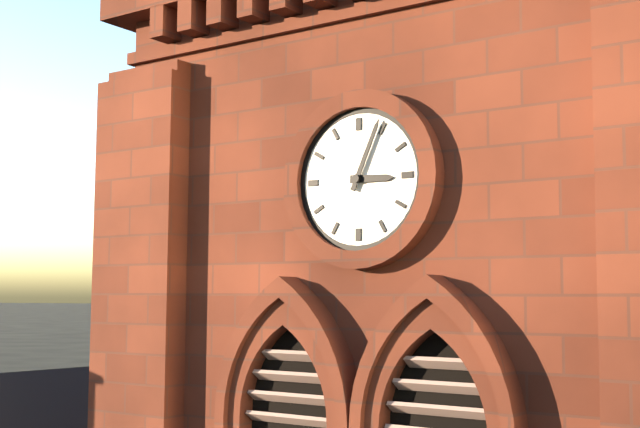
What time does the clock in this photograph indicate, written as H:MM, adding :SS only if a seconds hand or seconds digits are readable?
3:04
